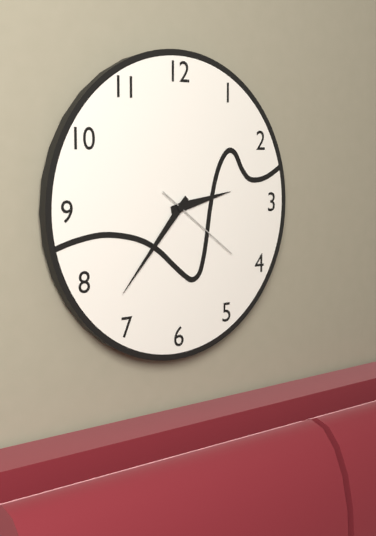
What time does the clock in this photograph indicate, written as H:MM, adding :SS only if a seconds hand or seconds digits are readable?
2:37:21
